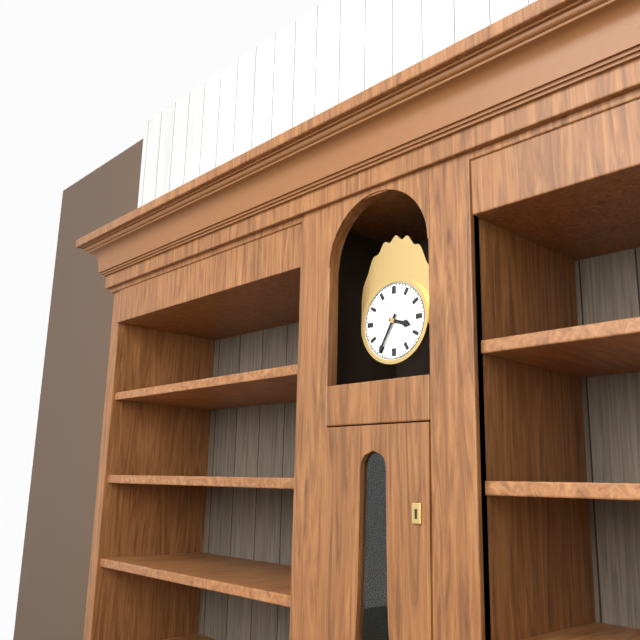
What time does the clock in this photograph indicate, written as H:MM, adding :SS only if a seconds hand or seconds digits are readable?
3:35
